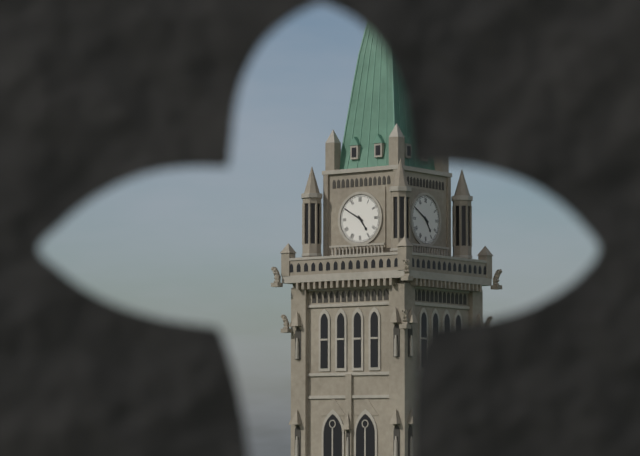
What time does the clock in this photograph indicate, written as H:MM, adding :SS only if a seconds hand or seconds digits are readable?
4:50
